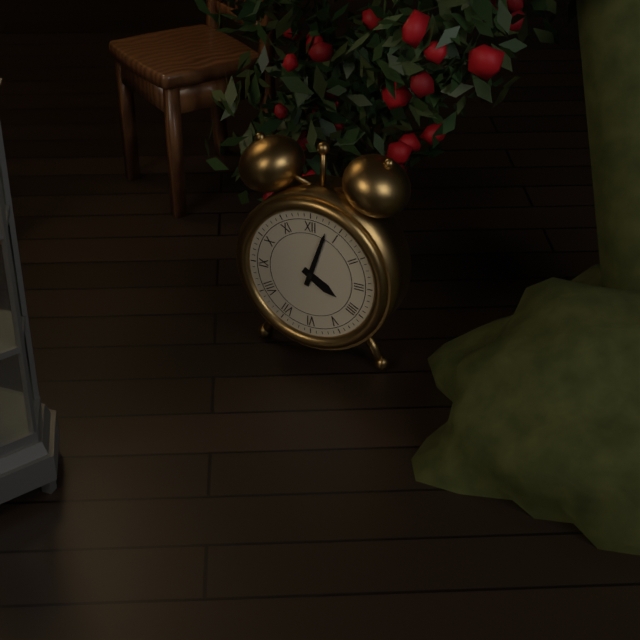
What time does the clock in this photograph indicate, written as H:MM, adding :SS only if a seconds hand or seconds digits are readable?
4:03
